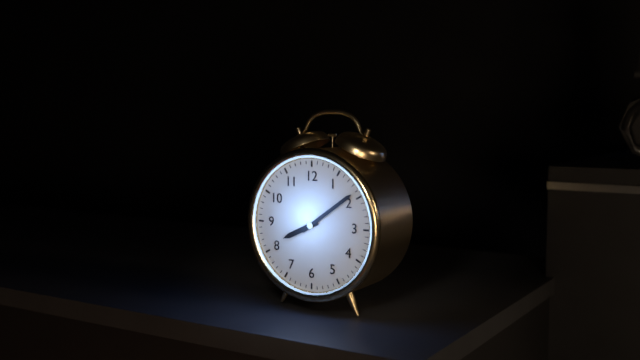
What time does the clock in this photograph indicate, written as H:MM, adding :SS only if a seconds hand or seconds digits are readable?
8:09
